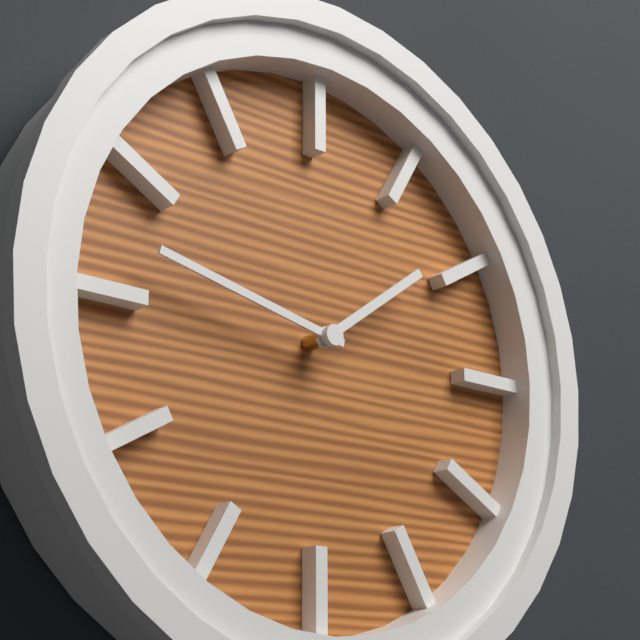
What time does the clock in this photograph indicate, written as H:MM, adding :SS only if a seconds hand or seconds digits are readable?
1:47
